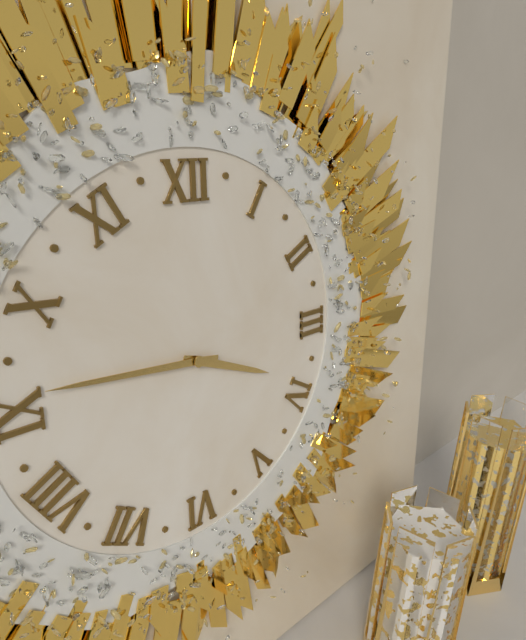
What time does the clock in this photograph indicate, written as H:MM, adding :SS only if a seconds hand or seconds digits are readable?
3:46
